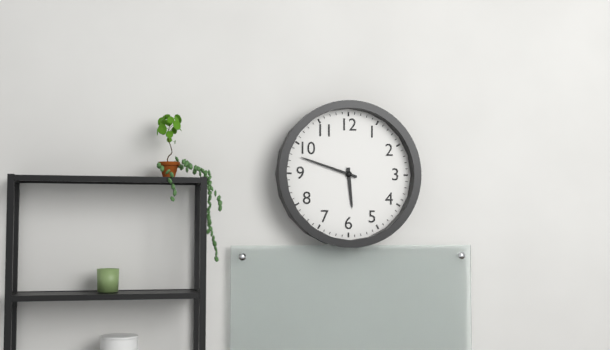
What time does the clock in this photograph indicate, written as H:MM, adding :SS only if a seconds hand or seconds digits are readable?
5:48
